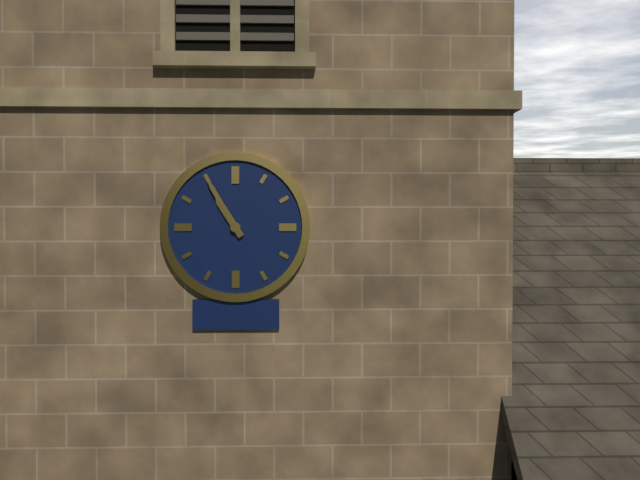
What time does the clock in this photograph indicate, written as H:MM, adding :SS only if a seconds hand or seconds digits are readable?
10:55
